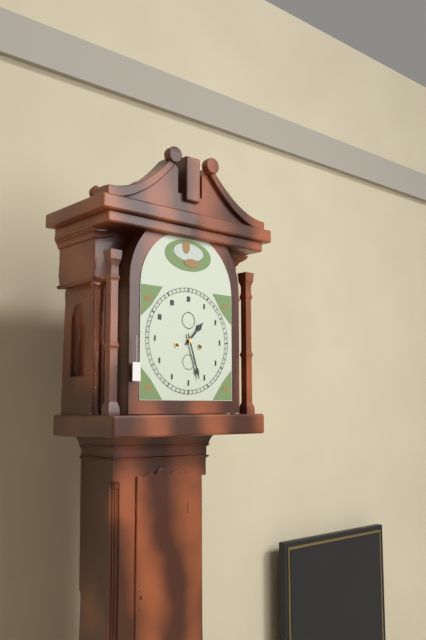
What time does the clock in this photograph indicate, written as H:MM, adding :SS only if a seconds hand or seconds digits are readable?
1:27
